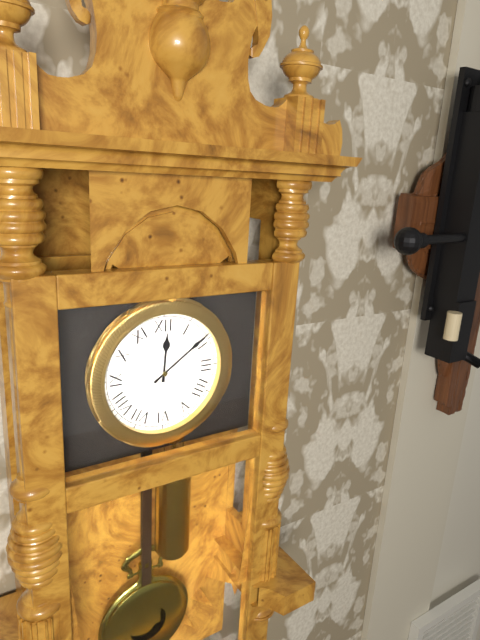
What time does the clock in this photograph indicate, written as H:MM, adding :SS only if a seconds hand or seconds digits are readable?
12:09
